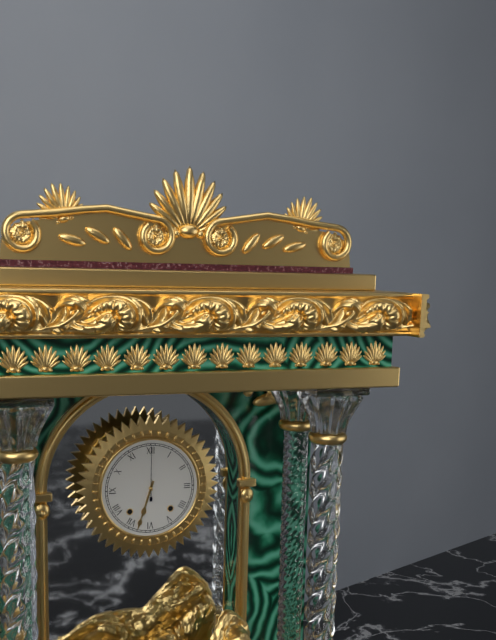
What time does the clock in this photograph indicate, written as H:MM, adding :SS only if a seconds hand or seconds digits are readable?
6:33:00
